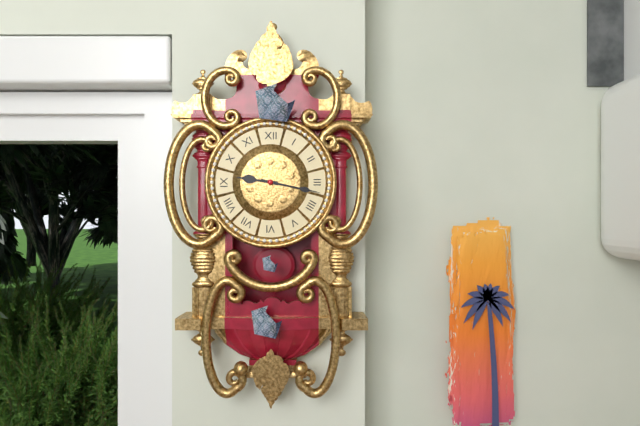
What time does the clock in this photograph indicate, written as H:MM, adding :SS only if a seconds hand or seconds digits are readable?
9:17
